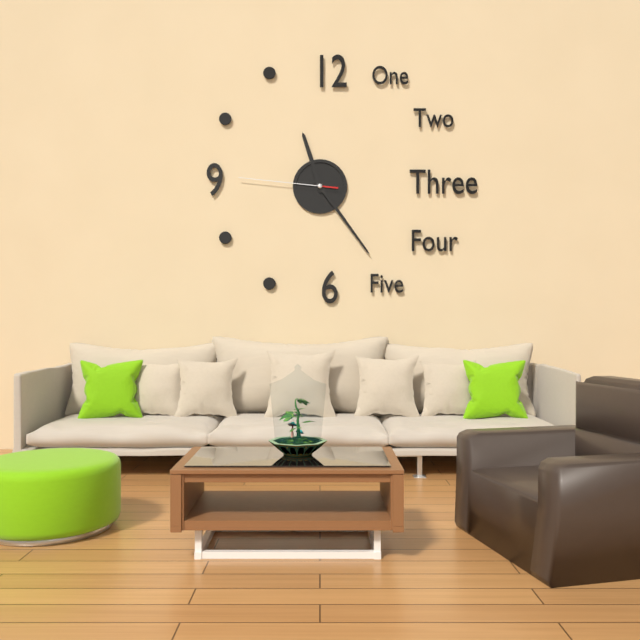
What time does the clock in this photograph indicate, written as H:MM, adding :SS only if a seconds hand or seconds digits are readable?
11:24:46
